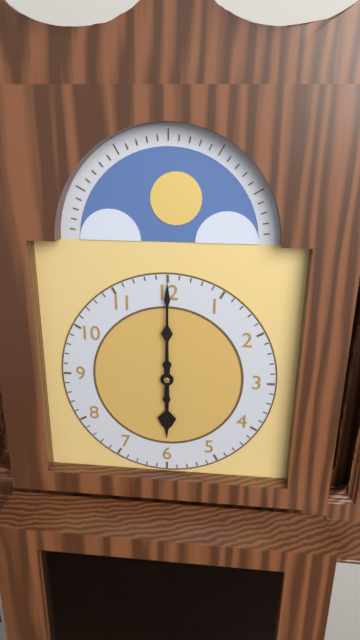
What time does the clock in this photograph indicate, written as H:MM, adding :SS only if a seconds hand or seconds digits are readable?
6:00
